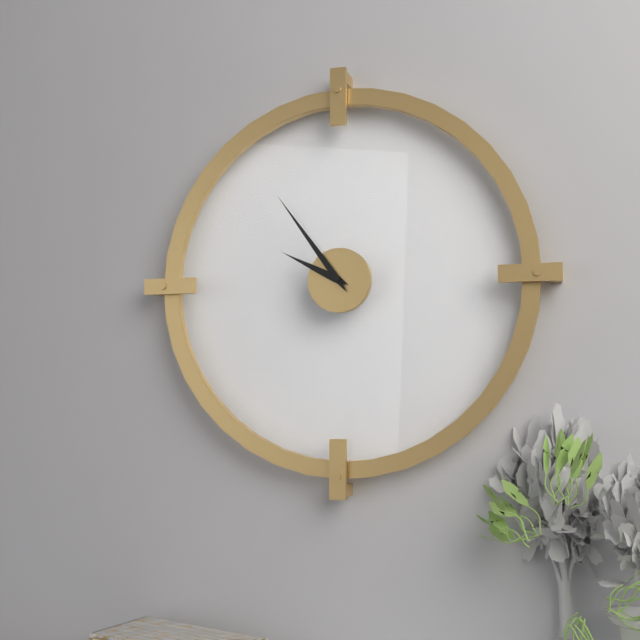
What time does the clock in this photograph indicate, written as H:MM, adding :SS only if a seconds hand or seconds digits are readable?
9:54
